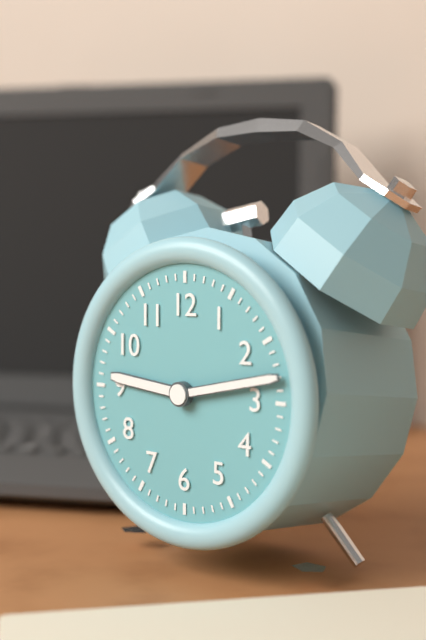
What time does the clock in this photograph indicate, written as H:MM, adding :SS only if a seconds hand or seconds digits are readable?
9:13
